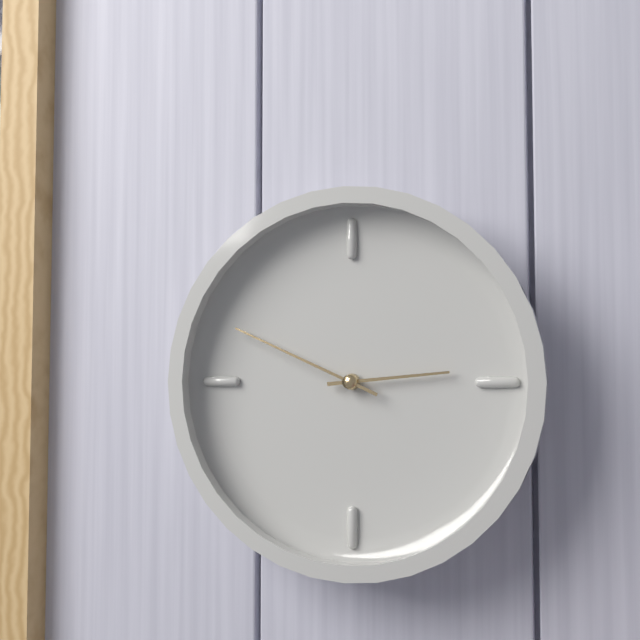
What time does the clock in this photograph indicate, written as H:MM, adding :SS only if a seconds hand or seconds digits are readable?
2:49
